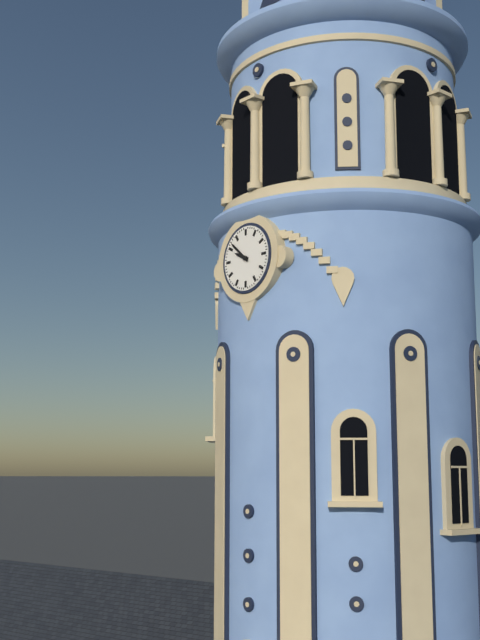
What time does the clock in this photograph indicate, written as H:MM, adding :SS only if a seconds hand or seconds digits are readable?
9:52
